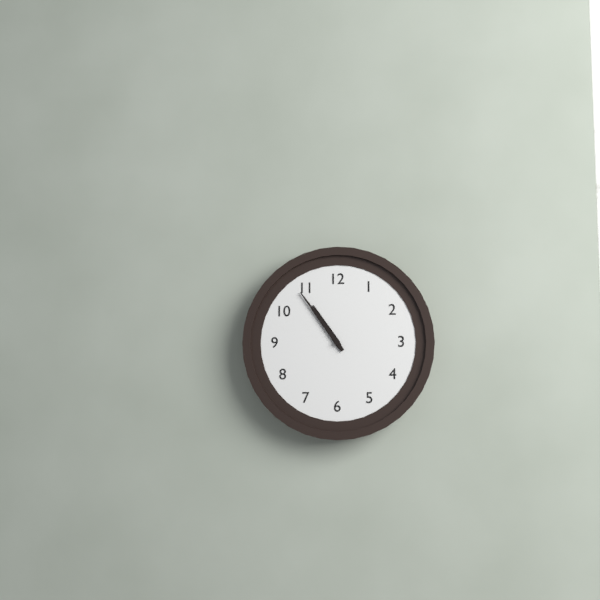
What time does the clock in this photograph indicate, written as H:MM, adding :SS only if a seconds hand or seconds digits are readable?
10:54
